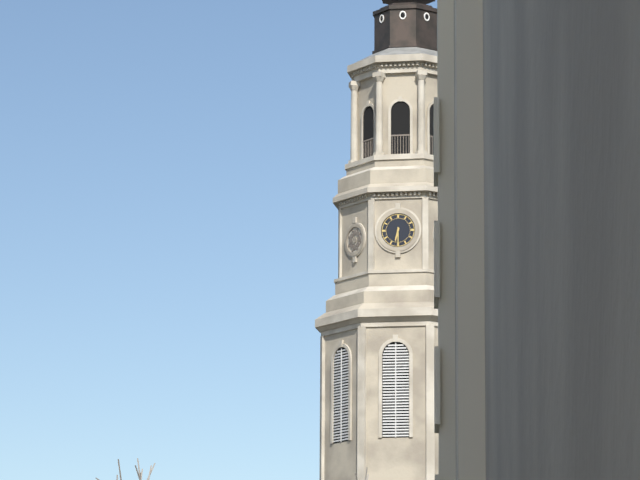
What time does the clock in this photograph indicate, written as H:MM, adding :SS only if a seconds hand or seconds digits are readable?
6:30
